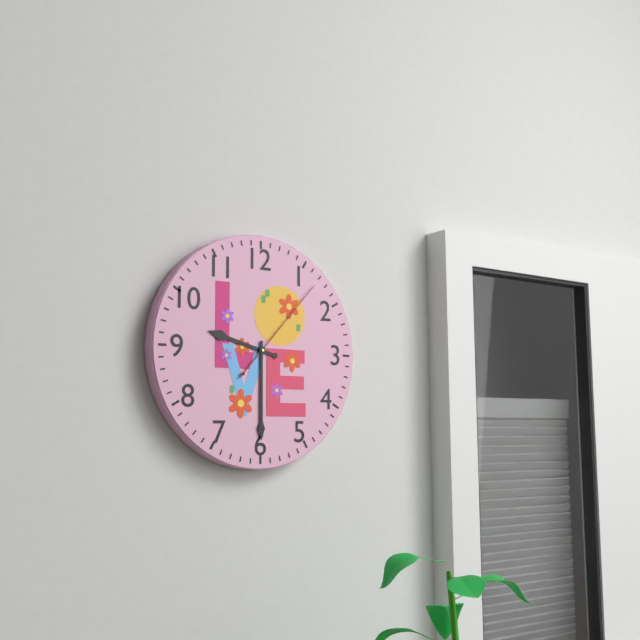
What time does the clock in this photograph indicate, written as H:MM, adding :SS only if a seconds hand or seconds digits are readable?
9:30:07
